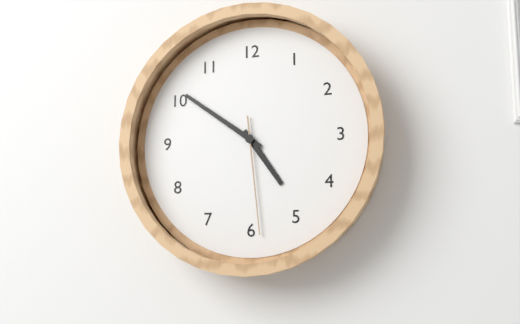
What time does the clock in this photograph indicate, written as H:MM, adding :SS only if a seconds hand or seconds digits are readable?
4:51:29
